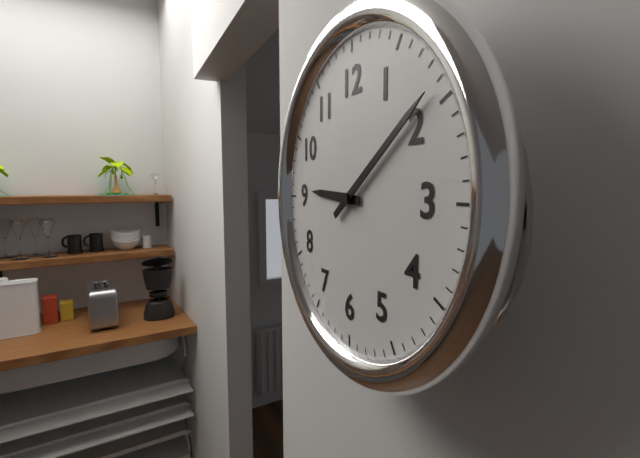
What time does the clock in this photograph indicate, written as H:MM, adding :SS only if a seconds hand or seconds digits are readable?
9:09
